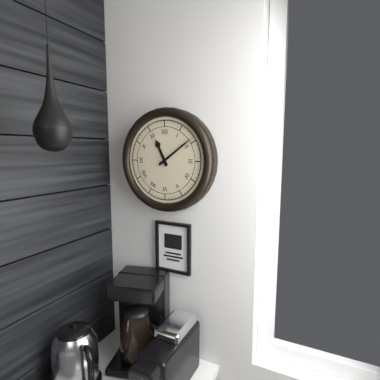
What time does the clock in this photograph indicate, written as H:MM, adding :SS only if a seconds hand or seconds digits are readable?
11:09
